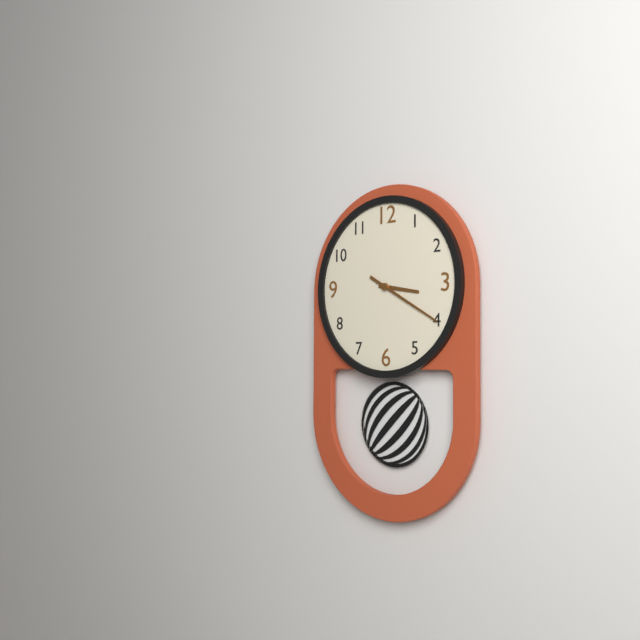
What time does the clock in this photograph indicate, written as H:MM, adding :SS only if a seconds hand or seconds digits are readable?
3:20
